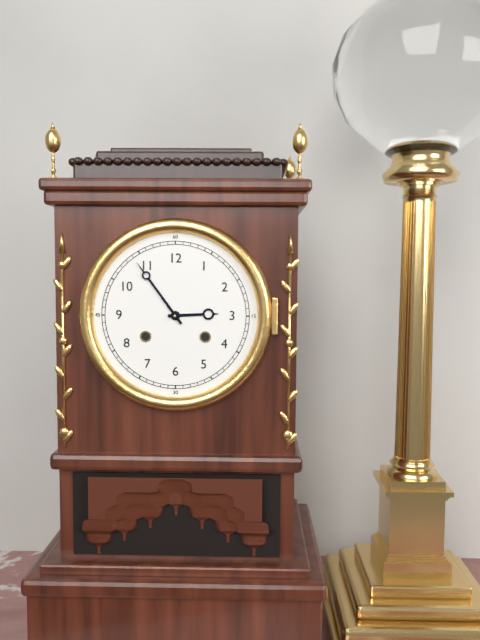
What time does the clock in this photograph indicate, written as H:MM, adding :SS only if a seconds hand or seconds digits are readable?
2:54
